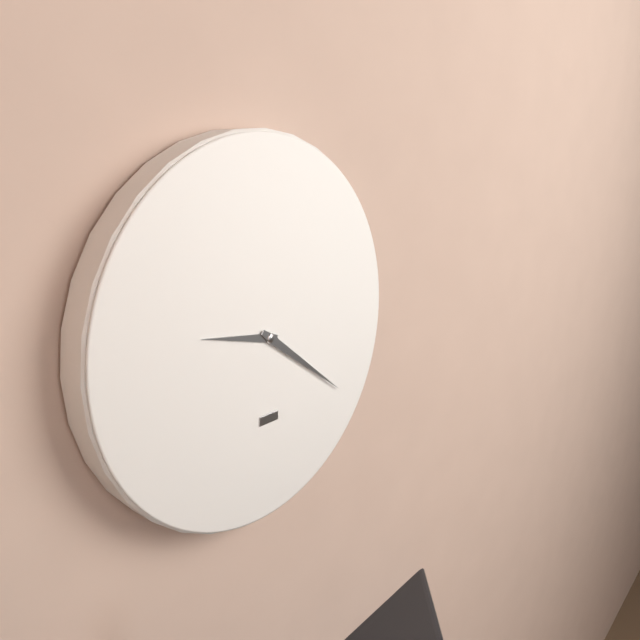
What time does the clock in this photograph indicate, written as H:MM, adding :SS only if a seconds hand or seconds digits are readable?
9:21
